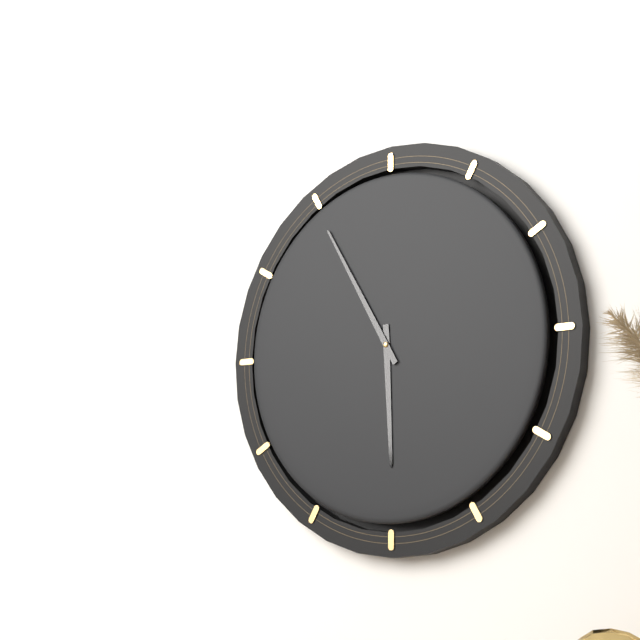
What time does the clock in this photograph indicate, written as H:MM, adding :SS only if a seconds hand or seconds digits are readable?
5:55
